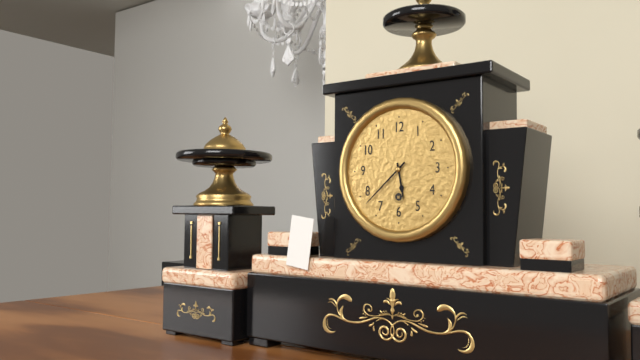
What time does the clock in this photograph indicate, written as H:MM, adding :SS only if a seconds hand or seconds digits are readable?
5:38
